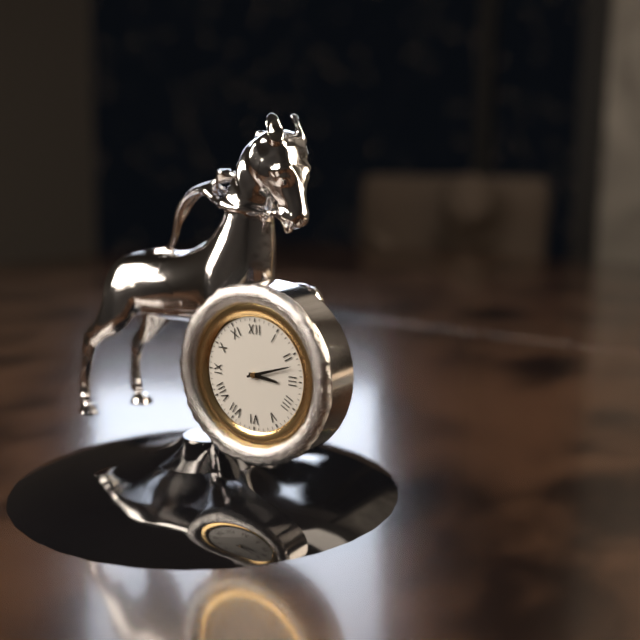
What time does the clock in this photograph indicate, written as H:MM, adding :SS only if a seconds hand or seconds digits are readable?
3:12
